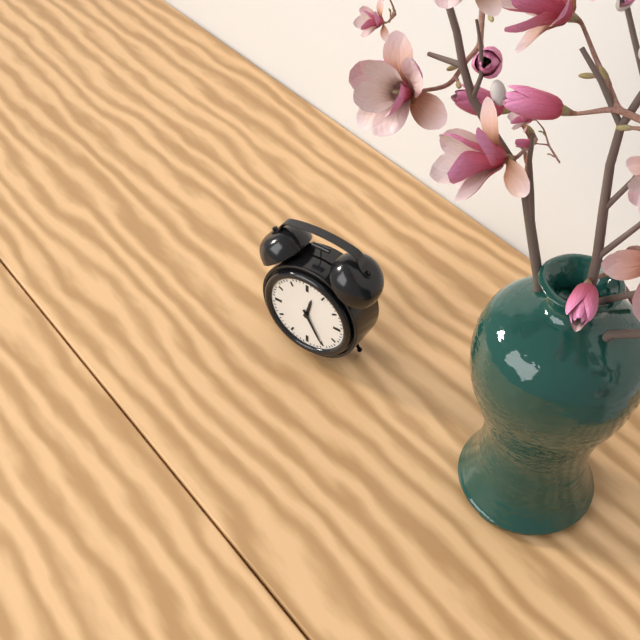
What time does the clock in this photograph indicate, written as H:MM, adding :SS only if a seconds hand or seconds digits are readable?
12:25
